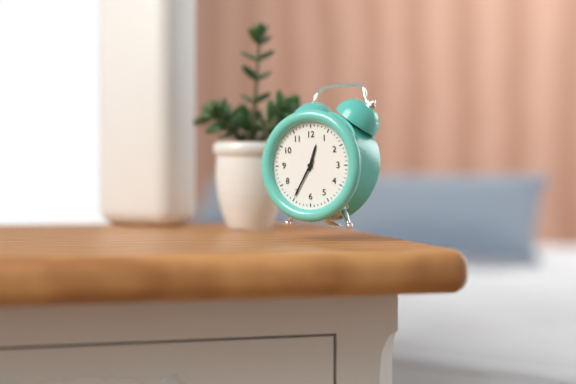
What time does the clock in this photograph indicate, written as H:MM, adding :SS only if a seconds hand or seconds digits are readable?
12:35
